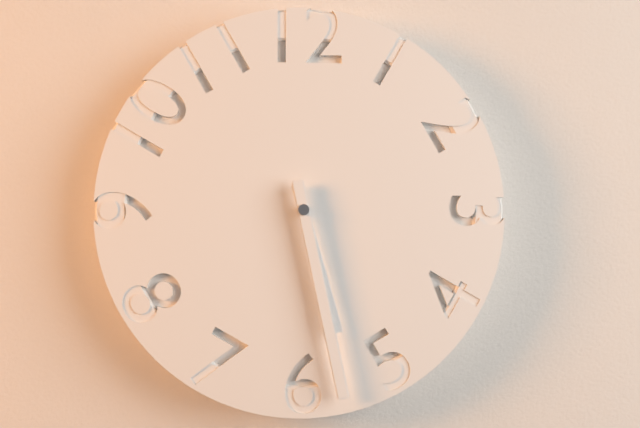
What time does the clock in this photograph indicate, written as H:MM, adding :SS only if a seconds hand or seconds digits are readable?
5:28
